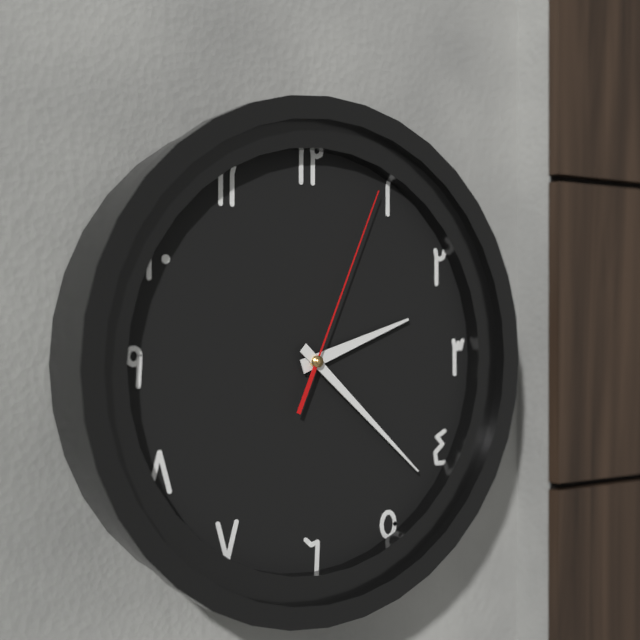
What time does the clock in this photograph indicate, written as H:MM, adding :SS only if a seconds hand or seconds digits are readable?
2:22:04
